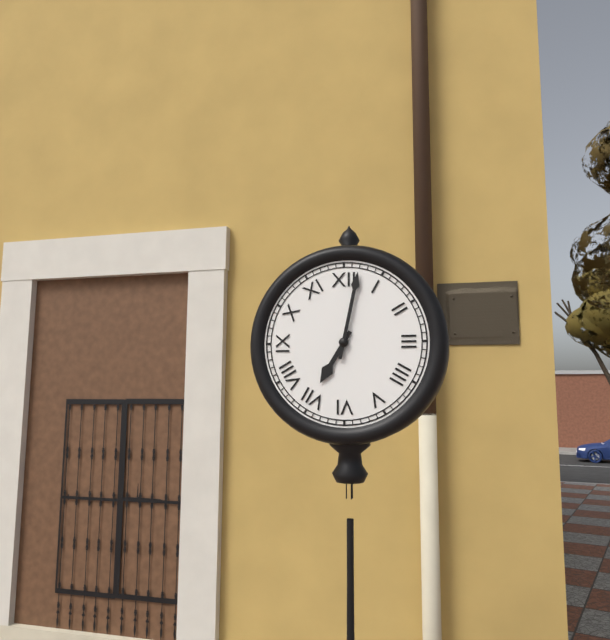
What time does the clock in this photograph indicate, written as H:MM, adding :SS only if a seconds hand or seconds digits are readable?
7:02
